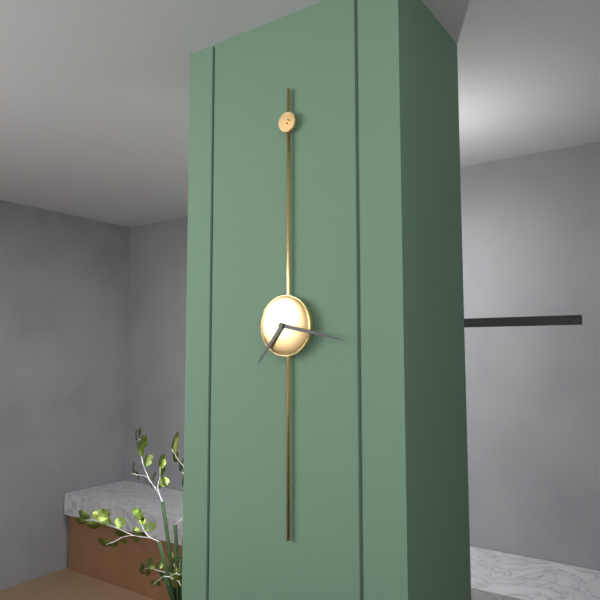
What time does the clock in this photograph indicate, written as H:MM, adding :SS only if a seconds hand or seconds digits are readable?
7:17
